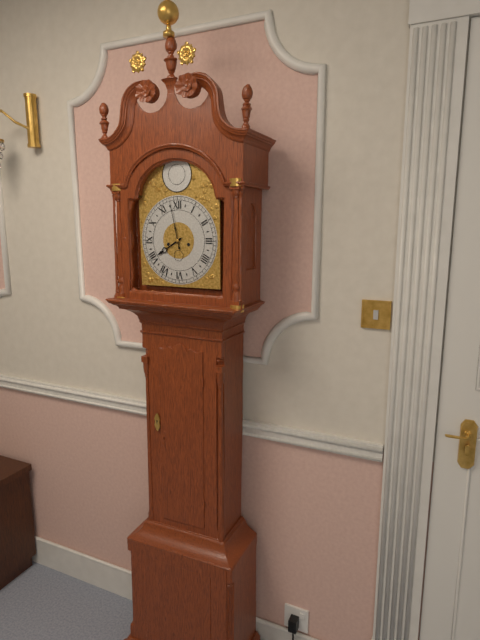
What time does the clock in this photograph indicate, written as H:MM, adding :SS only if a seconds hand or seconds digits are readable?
7:58
